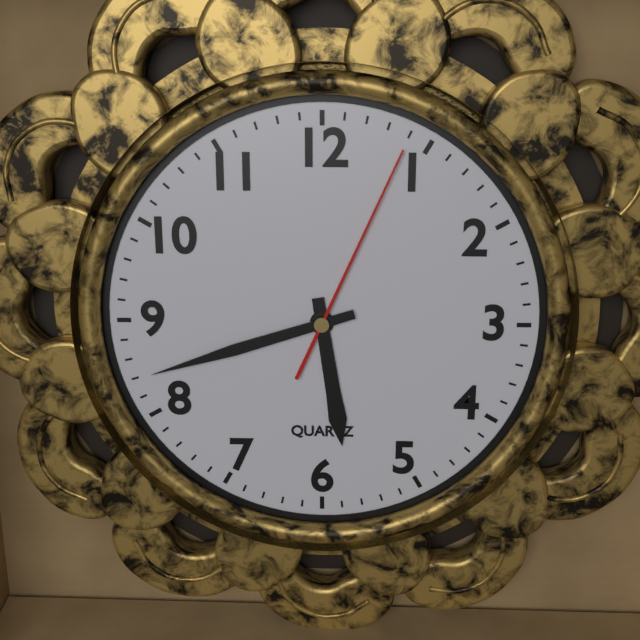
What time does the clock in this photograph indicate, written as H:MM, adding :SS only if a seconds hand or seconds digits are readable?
5:42:04
